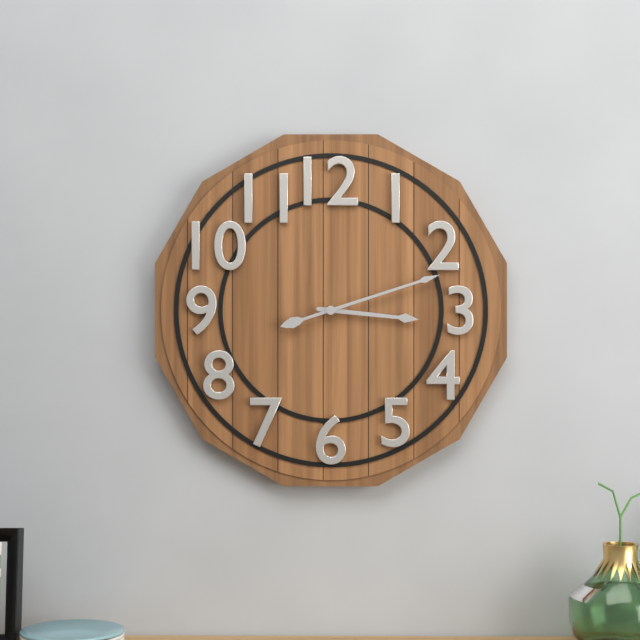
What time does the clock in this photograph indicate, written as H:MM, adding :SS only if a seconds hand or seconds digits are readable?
3:12
